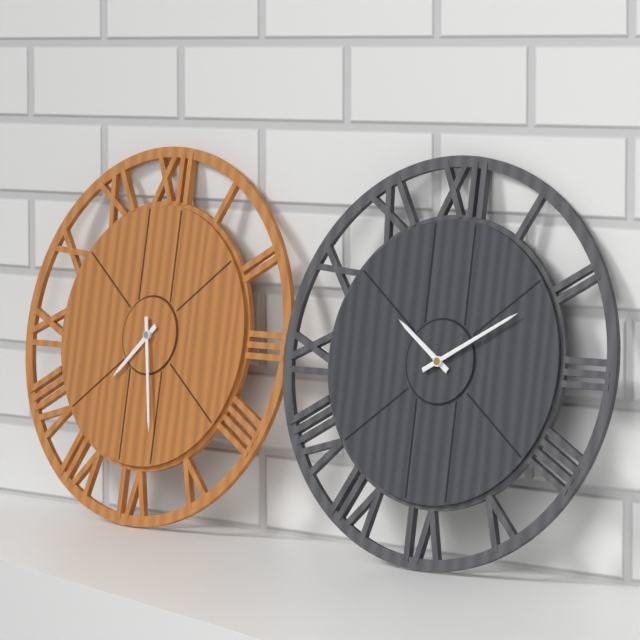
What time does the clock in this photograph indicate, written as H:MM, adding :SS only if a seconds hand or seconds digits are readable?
7:28
